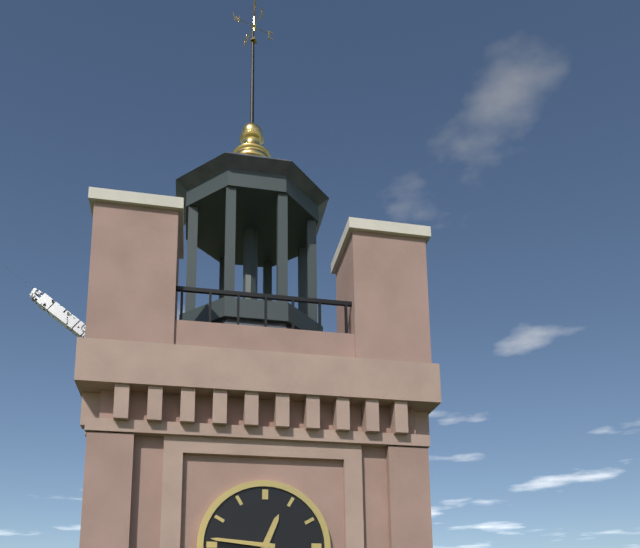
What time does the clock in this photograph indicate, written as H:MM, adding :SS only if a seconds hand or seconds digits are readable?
12:46
